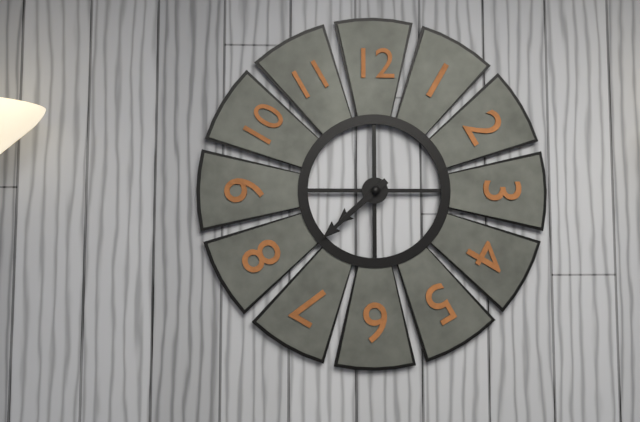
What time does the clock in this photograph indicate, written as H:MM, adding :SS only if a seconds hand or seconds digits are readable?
7:38
